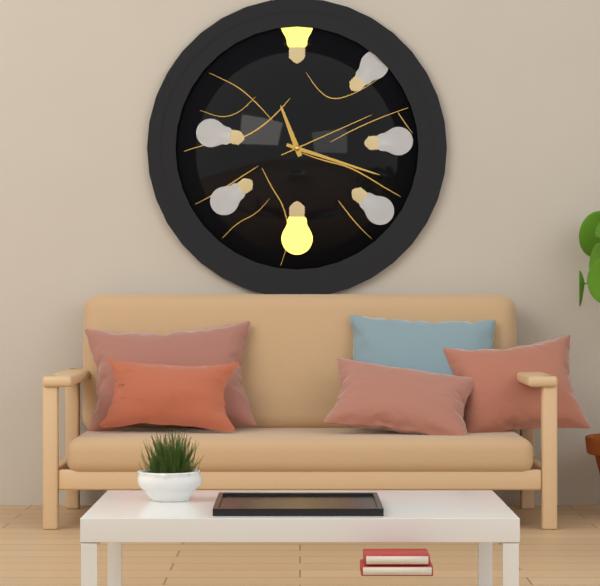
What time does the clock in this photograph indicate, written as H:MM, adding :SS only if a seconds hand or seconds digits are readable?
11:18:11
